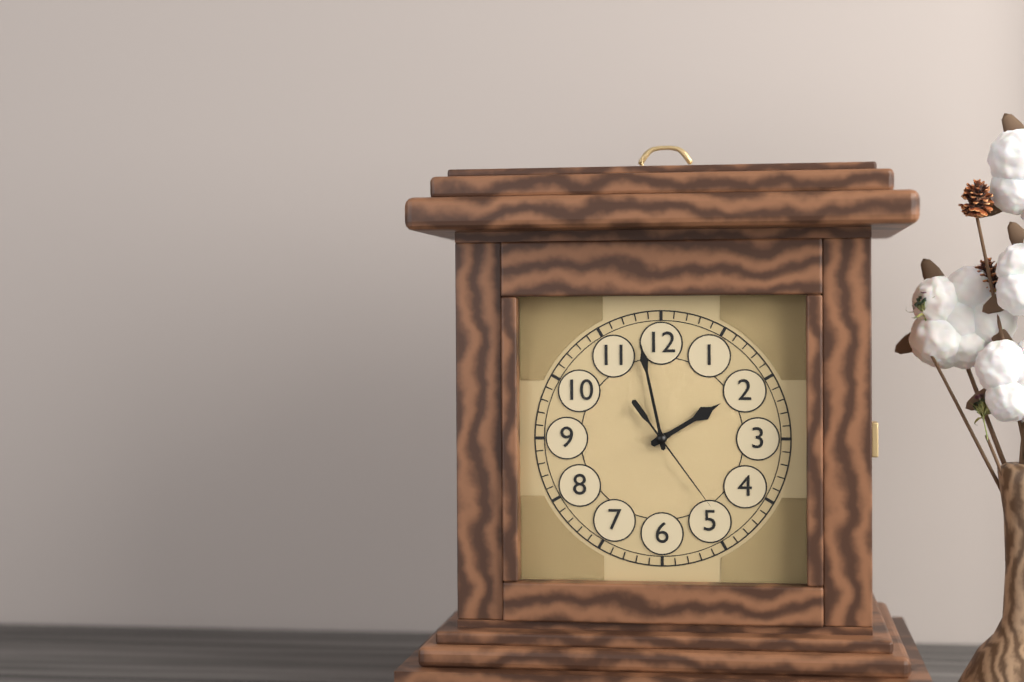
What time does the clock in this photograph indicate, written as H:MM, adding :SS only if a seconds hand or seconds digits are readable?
1:58:24
